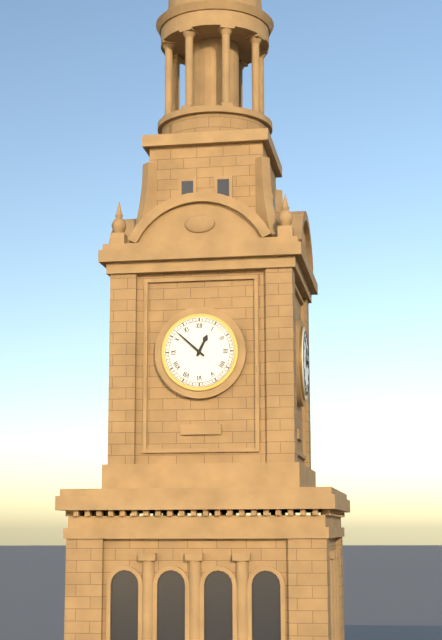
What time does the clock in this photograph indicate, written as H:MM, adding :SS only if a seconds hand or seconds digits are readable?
12:52
